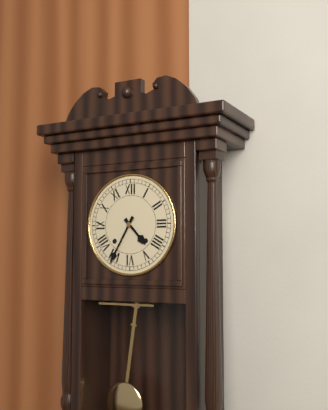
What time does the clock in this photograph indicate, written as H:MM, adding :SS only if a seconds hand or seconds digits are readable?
4:35
